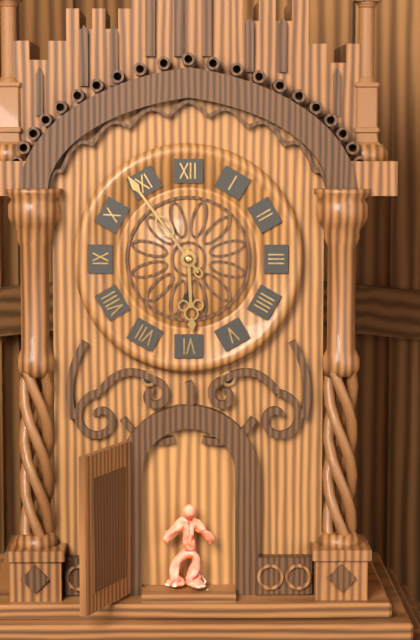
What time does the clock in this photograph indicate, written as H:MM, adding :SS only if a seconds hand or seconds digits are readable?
5:54
